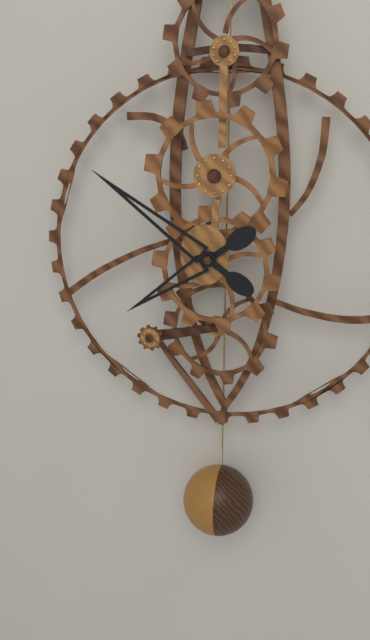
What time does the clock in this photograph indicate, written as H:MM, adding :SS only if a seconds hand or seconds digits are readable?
7:51
